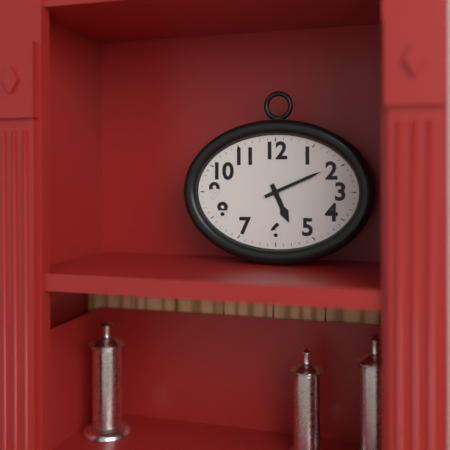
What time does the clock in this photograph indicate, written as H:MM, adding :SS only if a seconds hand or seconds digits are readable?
5:11
